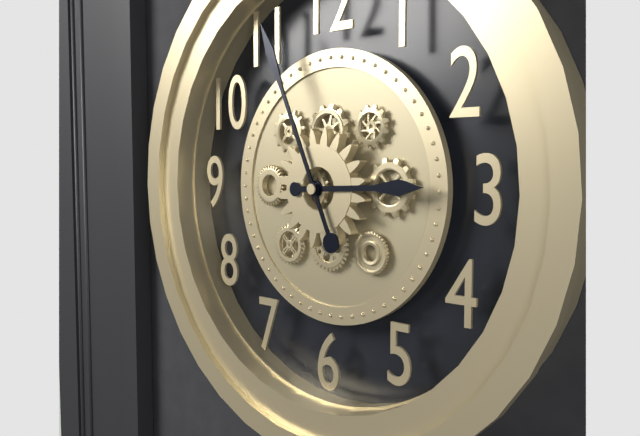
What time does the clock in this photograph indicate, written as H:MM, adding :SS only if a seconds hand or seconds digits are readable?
2:56
